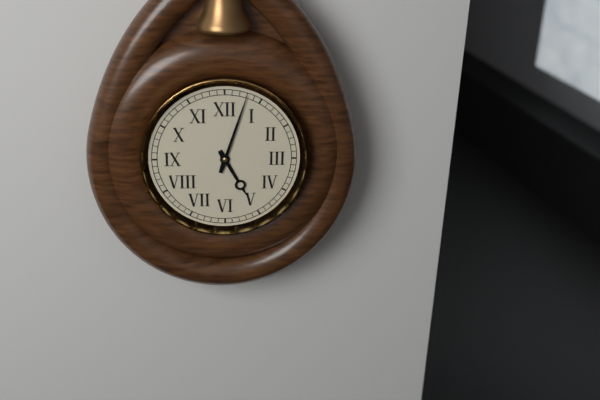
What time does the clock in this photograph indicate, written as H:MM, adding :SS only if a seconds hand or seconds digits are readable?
5:03
